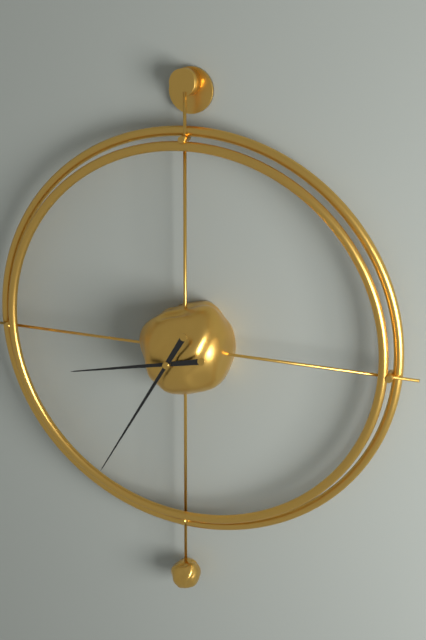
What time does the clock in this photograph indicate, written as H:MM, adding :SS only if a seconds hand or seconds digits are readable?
8:35
